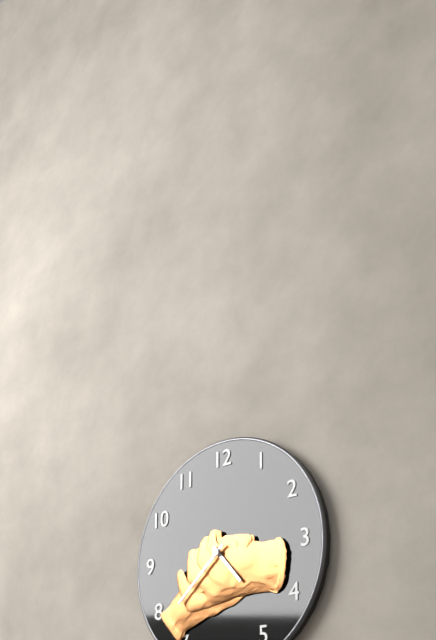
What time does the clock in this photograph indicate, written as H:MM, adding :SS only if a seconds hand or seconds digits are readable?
4:38
